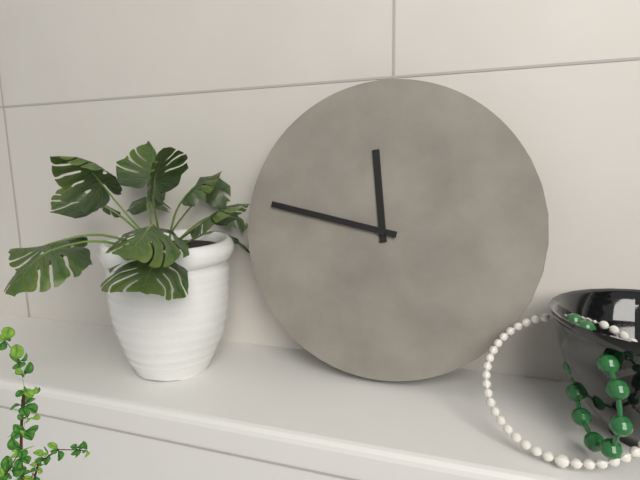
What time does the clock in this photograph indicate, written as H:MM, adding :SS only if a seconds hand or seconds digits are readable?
11:47
